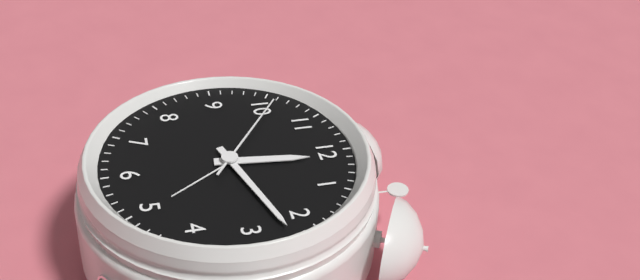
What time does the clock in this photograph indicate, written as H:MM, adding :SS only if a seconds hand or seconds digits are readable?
12:12:51
